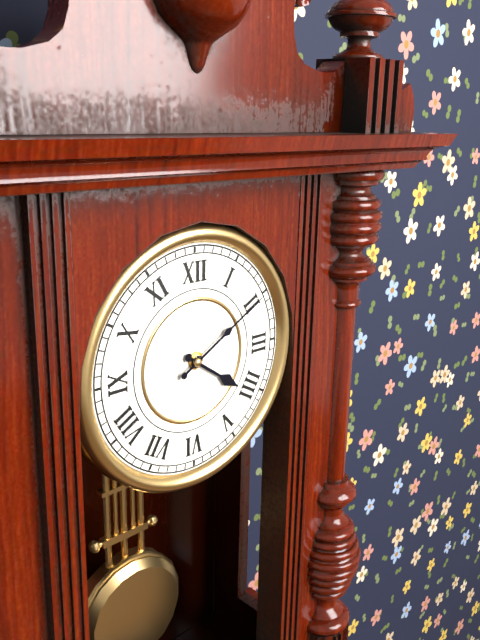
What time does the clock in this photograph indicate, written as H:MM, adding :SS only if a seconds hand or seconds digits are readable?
4:10
